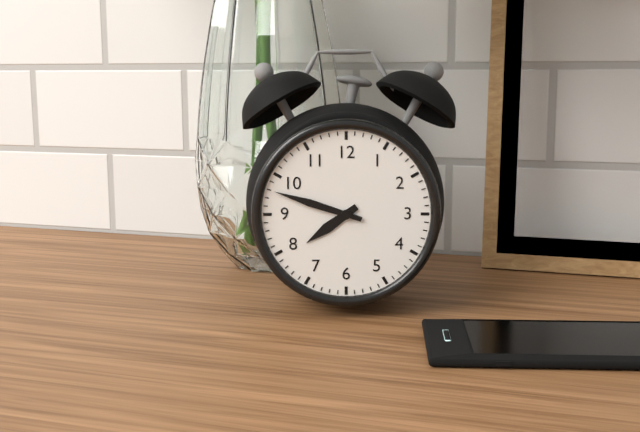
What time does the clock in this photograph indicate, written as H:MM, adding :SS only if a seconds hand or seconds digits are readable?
7:48
